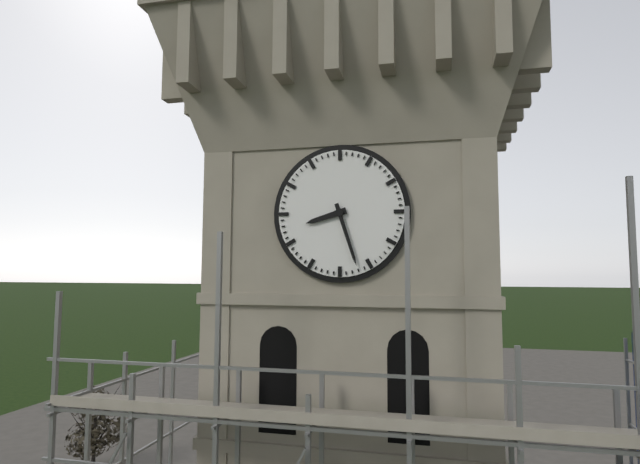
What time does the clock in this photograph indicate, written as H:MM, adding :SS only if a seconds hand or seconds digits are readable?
8:27
